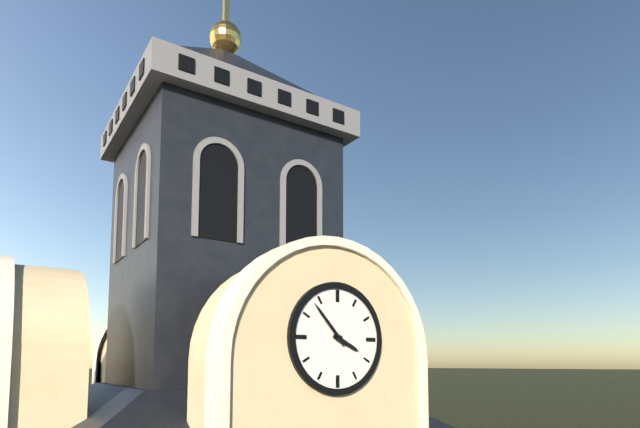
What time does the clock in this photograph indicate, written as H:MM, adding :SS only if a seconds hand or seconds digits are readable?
3:53
